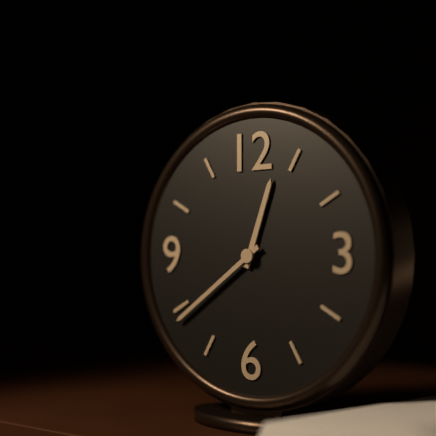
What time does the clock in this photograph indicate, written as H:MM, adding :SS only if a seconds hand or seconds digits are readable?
12:39
